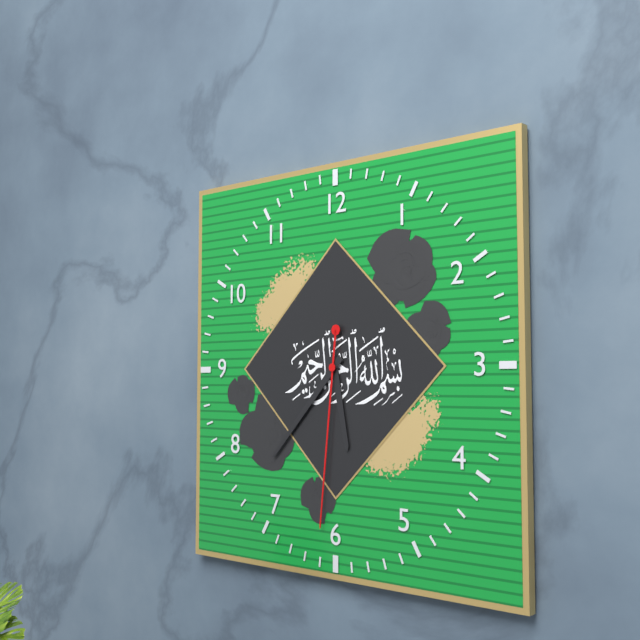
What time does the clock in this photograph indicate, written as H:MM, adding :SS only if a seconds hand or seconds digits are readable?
5:37:31
